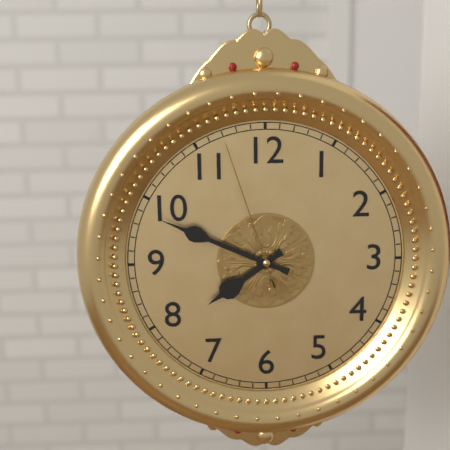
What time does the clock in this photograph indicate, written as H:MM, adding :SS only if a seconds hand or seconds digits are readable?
7:49:57
